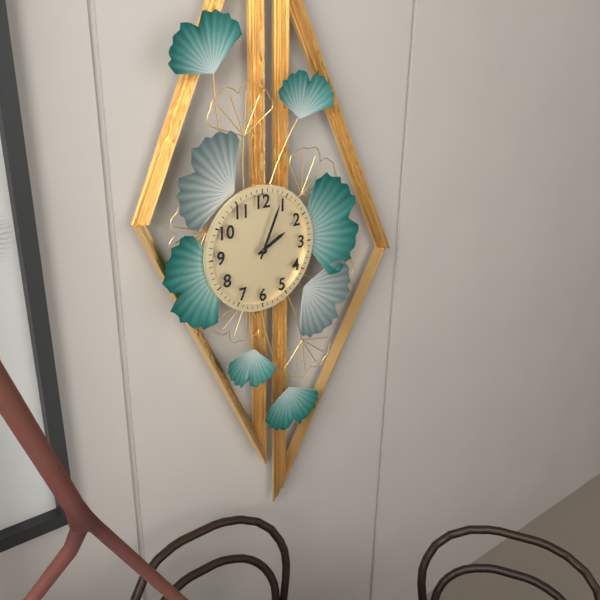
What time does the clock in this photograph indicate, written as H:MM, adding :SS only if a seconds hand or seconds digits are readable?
2:04
